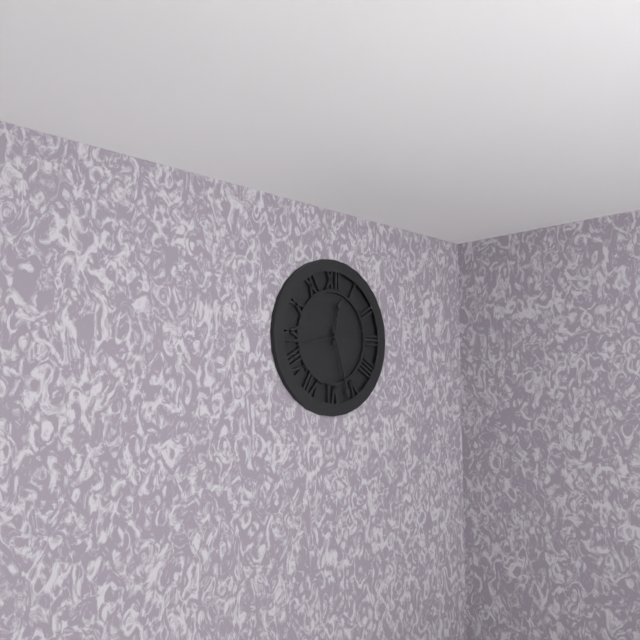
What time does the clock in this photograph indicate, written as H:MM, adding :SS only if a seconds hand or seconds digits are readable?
12:27:43
